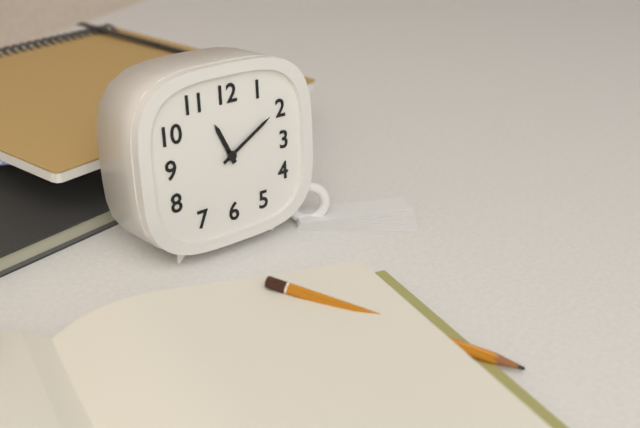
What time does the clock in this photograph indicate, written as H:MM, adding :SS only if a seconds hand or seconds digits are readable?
11:10
